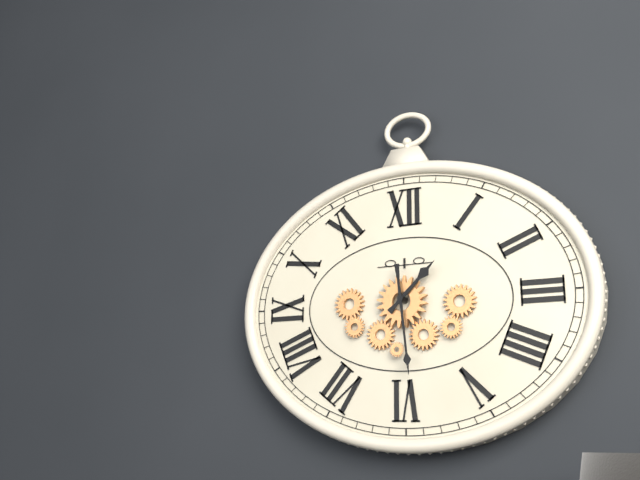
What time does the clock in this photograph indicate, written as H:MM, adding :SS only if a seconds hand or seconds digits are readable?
1:29
